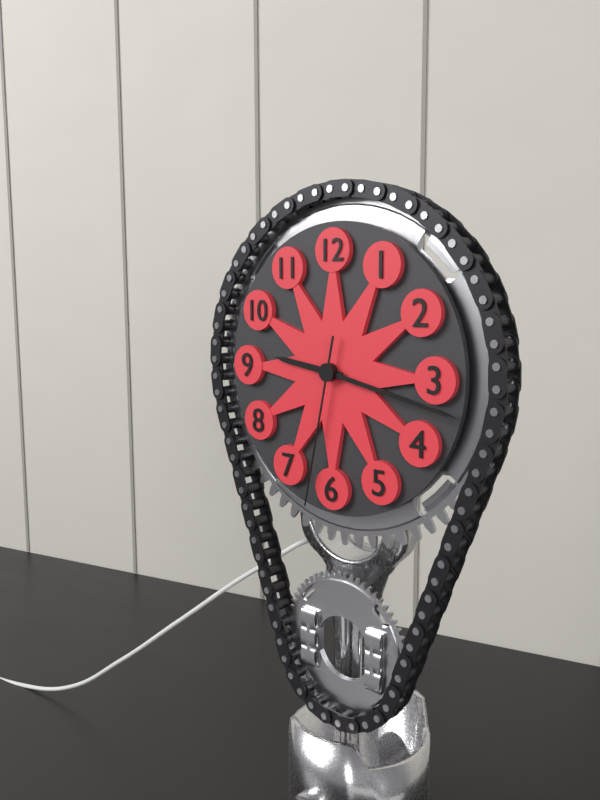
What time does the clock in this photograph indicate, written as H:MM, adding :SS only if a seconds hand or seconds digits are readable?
9:17:32
